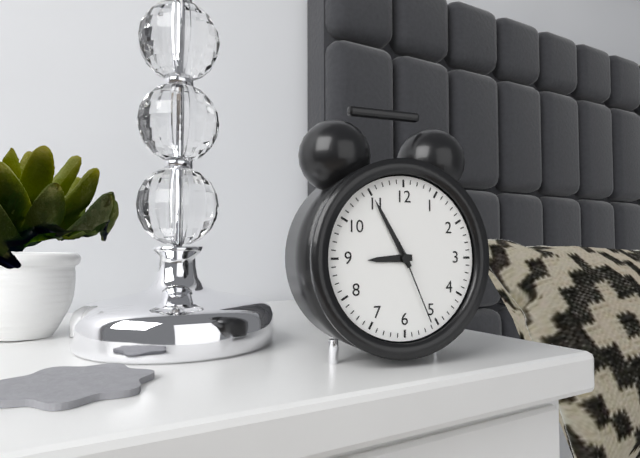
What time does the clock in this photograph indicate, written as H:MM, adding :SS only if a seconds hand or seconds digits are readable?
8:55:26
